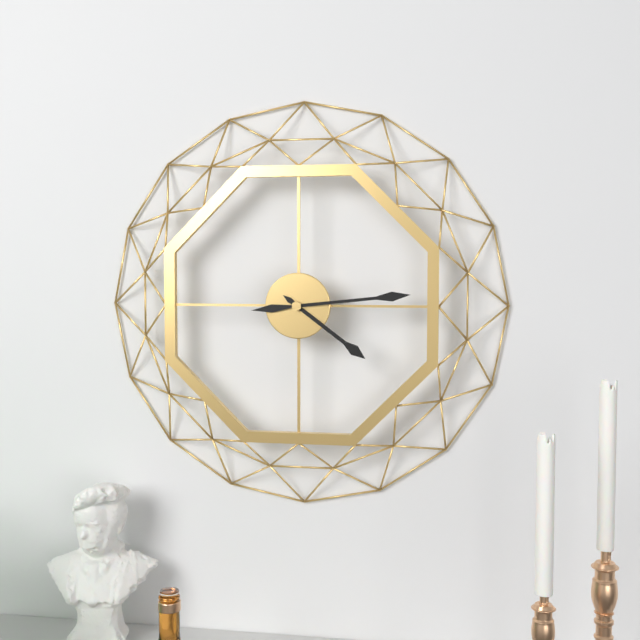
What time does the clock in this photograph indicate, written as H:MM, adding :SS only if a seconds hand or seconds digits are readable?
4:14
